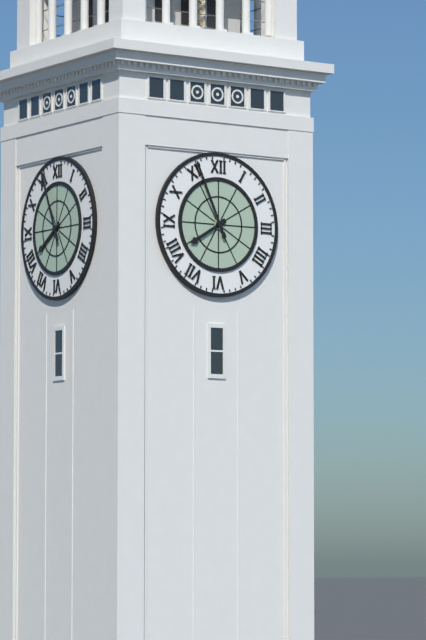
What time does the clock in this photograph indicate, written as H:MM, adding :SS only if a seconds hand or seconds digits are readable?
7:56
